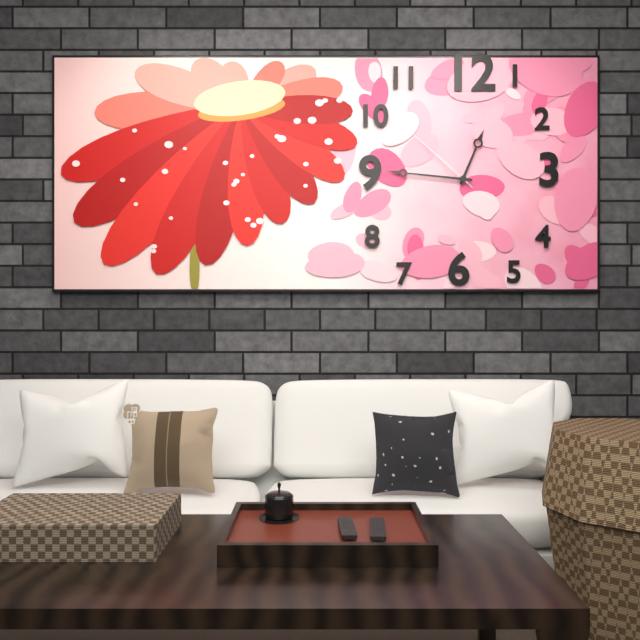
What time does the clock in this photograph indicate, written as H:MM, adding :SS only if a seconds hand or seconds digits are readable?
12:46:52
